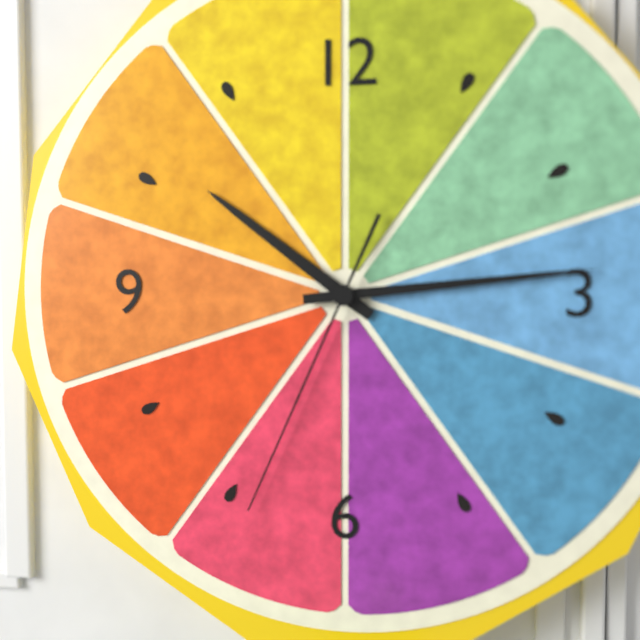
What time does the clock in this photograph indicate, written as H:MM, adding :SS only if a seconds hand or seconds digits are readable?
10:14:34
